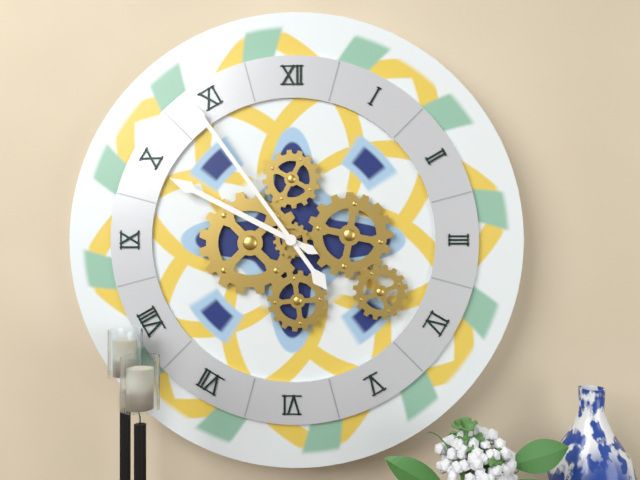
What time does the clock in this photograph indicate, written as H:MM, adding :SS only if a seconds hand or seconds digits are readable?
9:54
